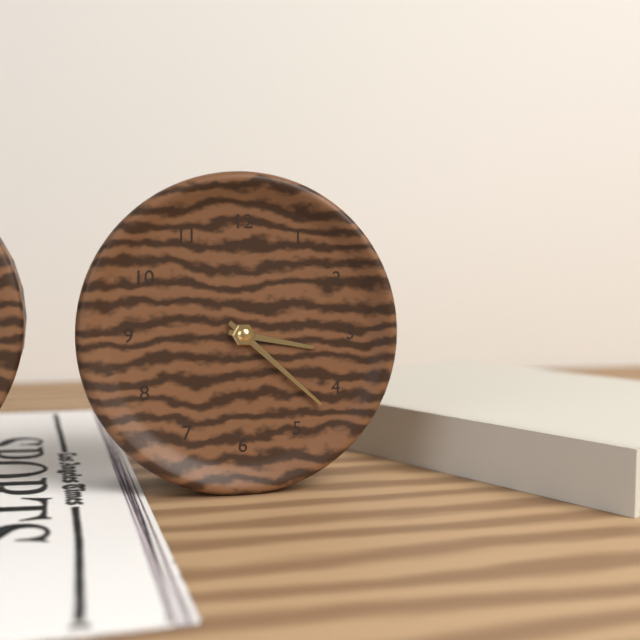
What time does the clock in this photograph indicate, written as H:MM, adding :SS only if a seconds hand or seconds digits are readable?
3:22
